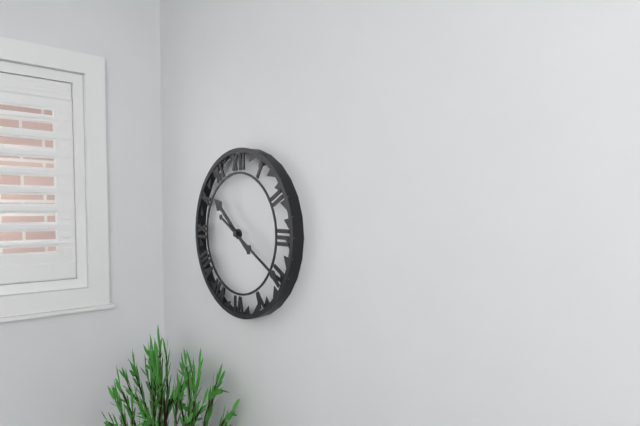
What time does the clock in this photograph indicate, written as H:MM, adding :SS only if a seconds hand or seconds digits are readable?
10:20
